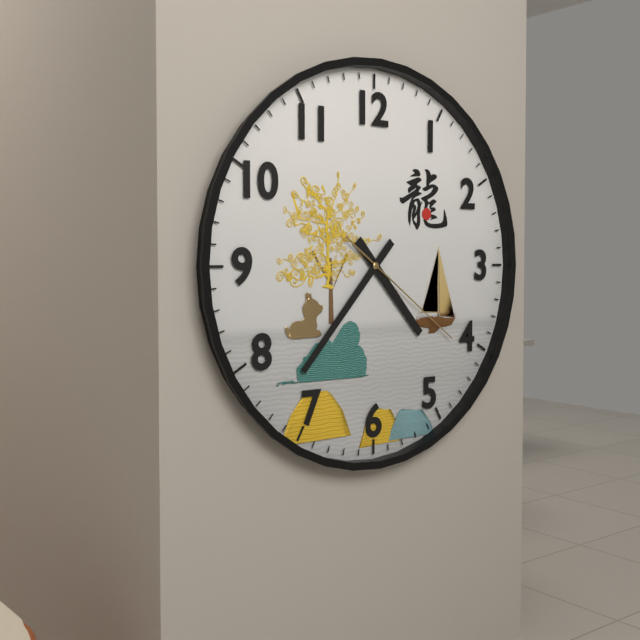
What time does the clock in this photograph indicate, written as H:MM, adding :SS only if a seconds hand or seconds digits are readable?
4:37:21
